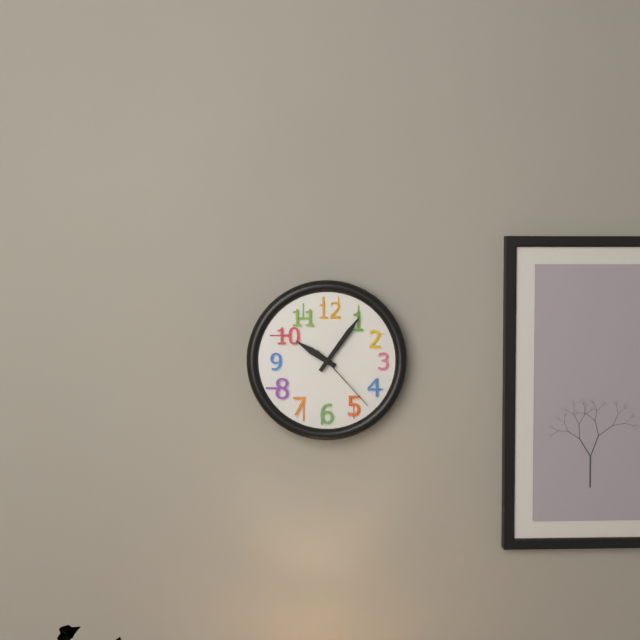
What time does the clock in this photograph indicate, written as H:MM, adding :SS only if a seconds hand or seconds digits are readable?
10:06:23
